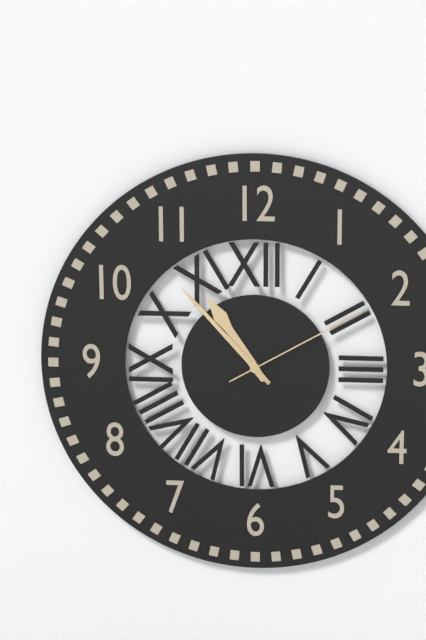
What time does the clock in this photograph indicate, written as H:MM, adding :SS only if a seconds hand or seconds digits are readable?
10:53:10
